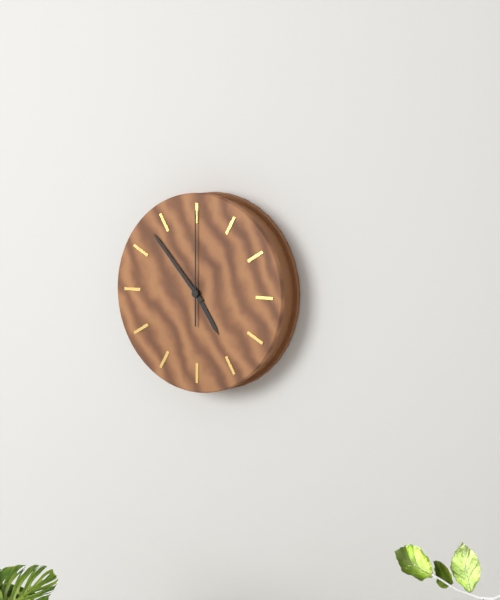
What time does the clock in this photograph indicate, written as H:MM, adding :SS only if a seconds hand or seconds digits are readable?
4:53:00
